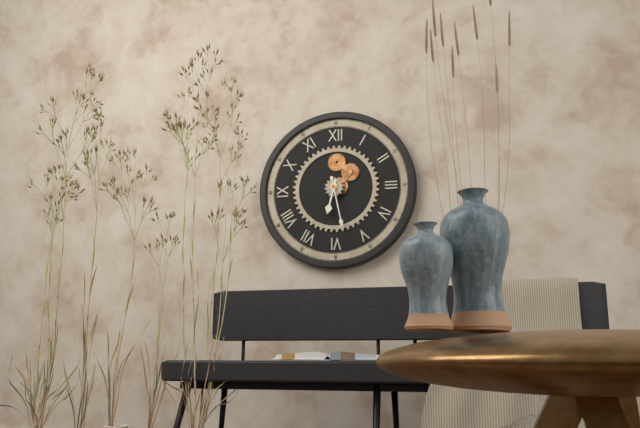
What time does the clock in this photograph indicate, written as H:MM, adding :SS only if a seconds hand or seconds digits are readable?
6:28
